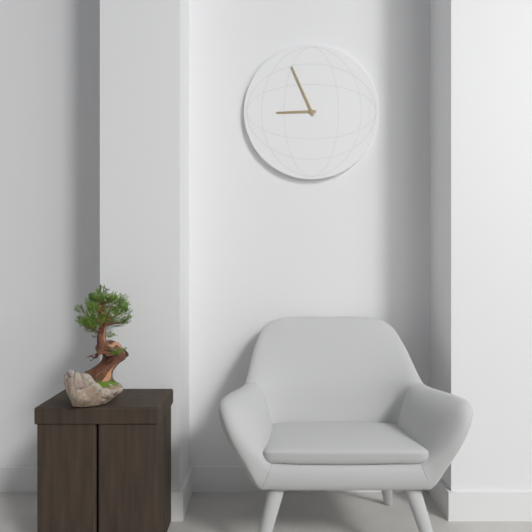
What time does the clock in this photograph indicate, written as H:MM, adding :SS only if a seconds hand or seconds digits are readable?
8:56
